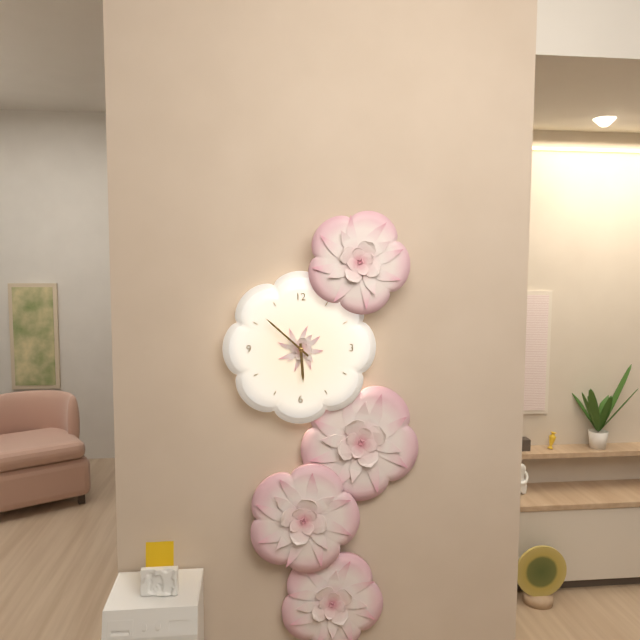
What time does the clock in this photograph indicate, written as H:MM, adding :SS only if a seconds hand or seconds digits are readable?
5:52
